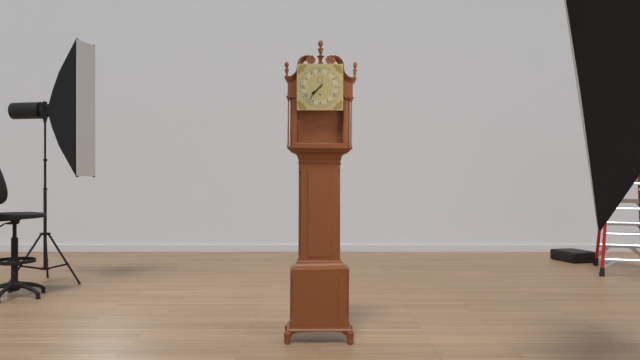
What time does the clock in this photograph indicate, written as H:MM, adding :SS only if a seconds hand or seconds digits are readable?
7:37
